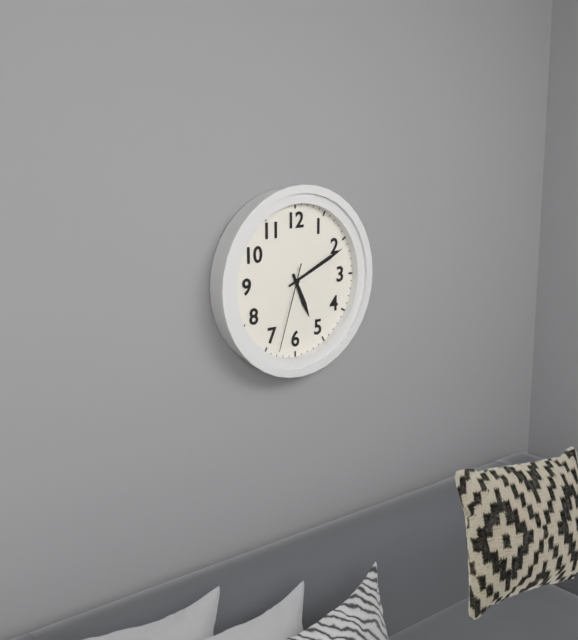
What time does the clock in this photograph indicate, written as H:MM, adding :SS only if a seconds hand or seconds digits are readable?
5:11:33
